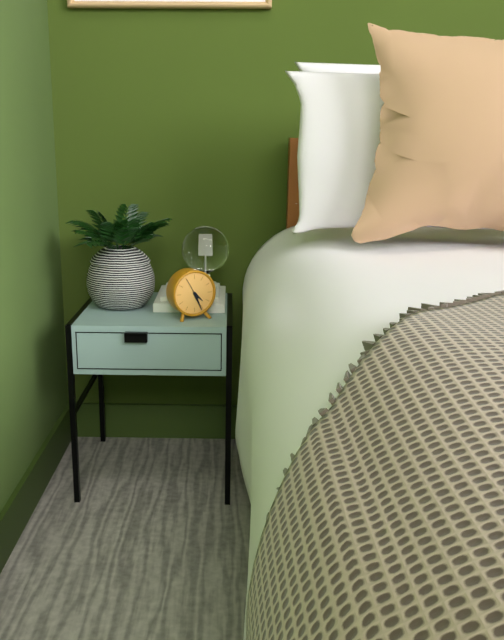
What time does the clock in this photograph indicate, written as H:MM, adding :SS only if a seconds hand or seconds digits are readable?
4:26
